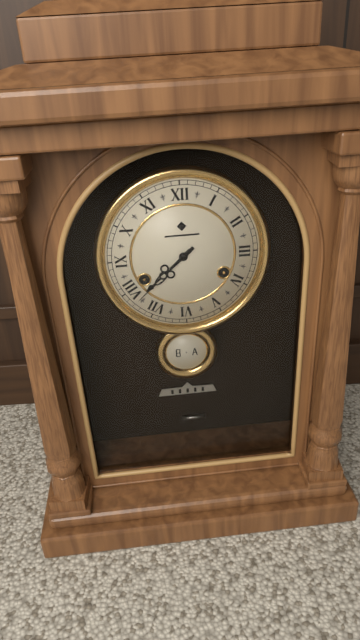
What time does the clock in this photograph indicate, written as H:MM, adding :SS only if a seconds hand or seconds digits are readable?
7:38
